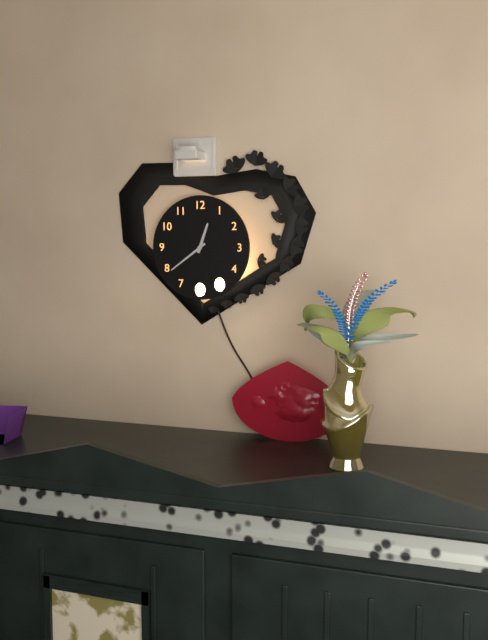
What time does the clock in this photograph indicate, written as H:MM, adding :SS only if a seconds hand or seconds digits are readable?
12:39
